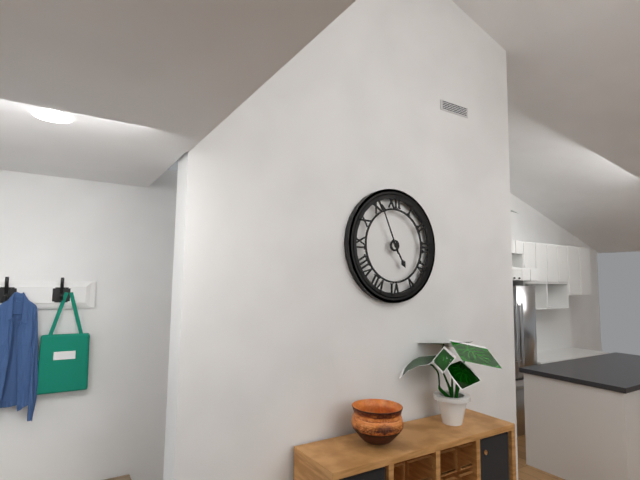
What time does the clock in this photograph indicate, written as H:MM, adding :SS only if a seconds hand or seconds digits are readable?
4:56
